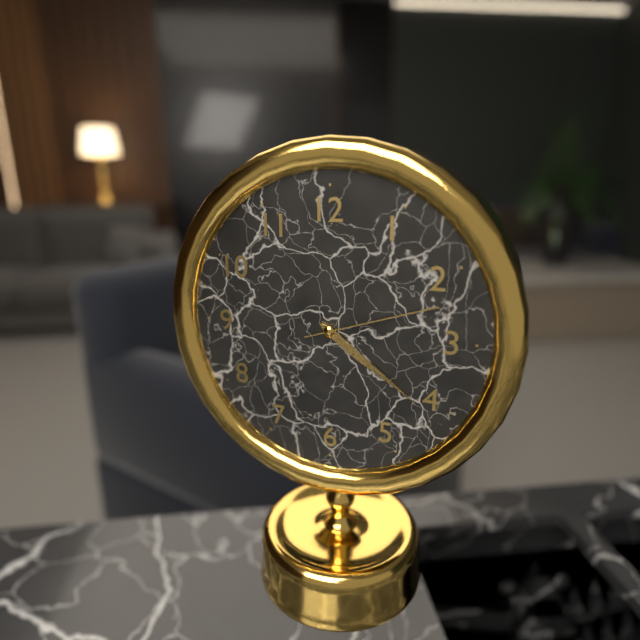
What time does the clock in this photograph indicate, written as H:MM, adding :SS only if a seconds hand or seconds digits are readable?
4:21:12
